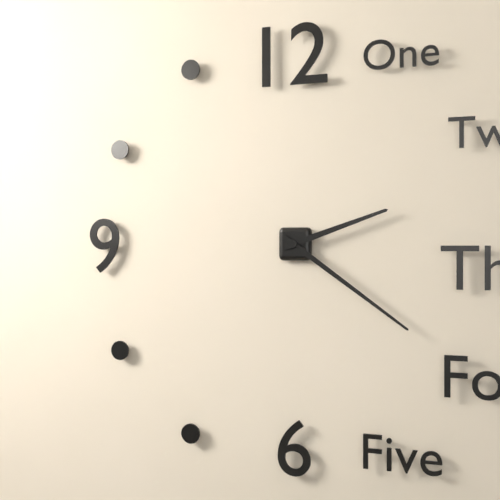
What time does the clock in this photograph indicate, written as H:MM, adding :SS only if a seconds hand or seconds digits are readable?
2:21
